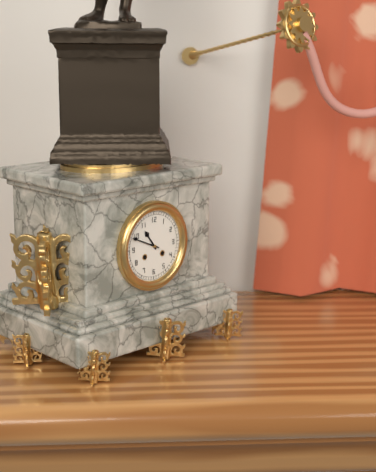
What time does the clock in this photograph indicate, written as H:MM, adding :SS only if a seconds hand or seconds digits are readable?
10:49
